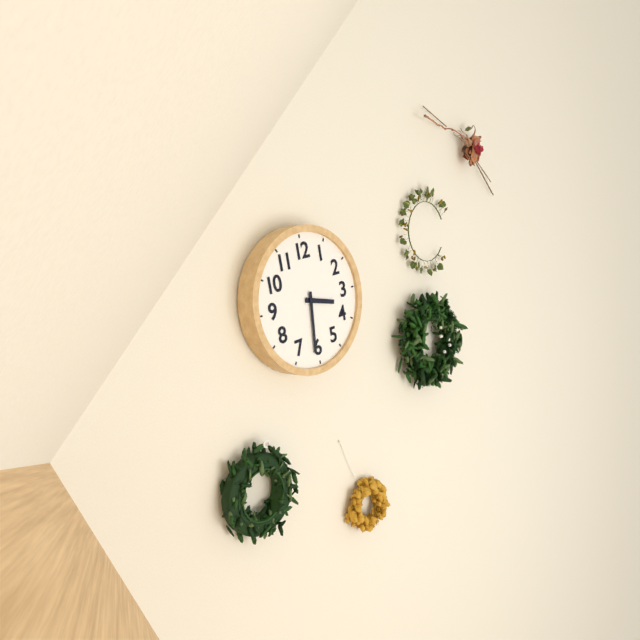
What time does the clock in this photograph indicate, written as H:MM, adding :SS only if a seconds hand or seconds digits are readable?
3:31
